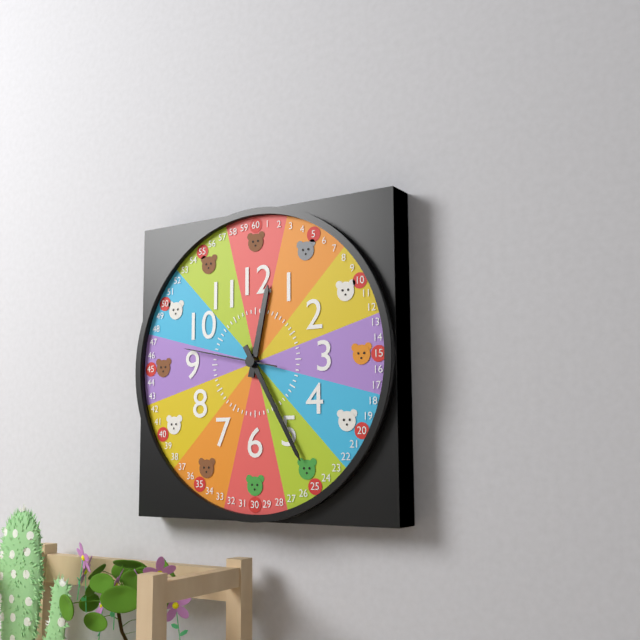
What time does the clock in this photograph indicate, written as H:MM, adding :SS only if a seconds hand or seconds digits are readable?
12:25:47
